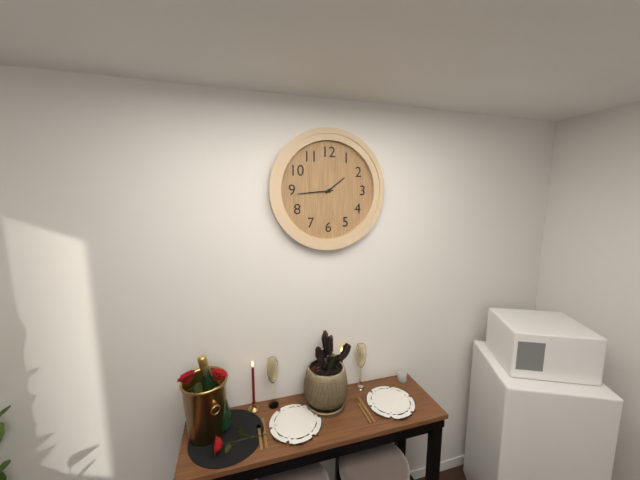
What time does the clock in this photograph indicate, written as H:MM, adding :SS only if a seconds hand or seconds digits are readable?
1:44
